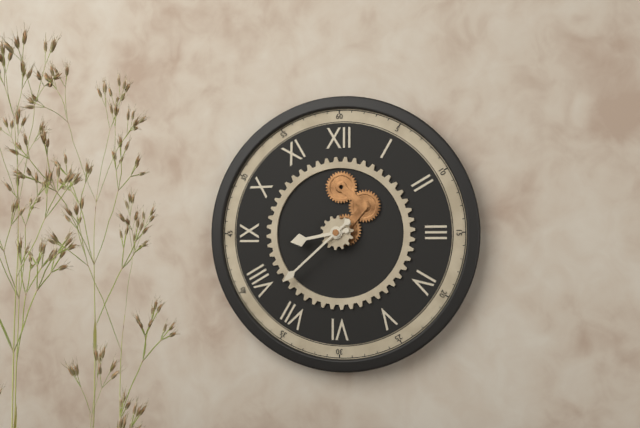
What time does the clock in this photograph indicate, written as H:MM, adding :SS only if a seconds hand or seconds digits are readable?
8:38
